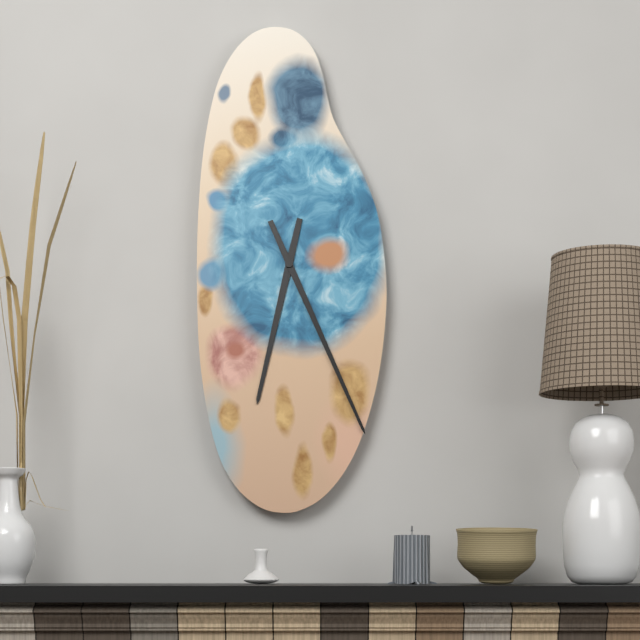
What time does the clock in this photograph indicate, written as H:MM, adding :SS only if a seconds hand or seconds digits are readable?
6:26
